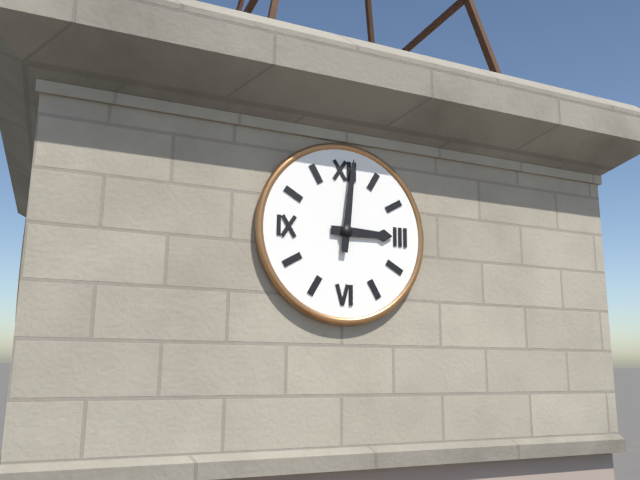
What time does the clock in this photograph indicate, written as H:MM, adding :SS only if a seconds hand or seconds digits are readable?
3:01
